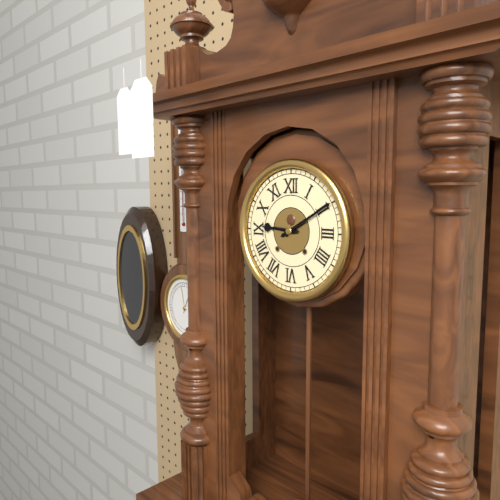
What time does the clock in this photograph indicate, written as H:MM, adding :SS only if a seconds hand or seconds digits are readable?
9:10
